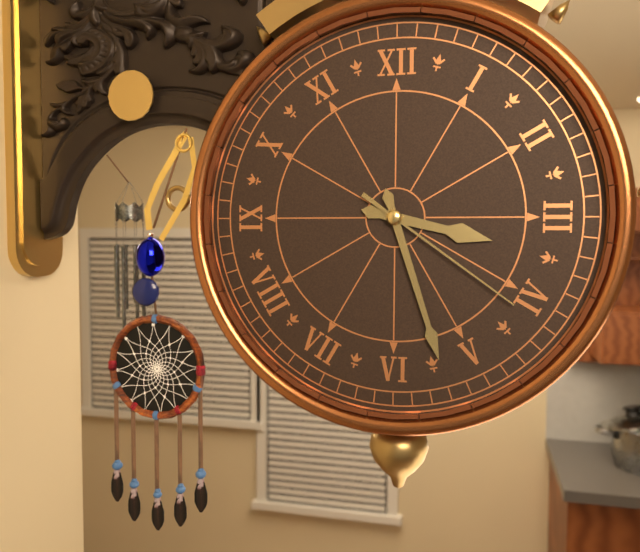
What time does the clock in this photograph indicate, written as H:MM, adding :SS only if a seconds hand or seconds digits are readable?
3:27:21
